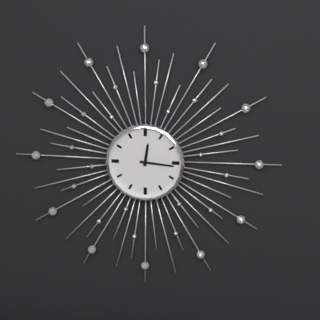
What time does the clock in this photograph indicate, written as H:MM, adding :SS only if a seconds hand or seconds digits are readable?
12:16
